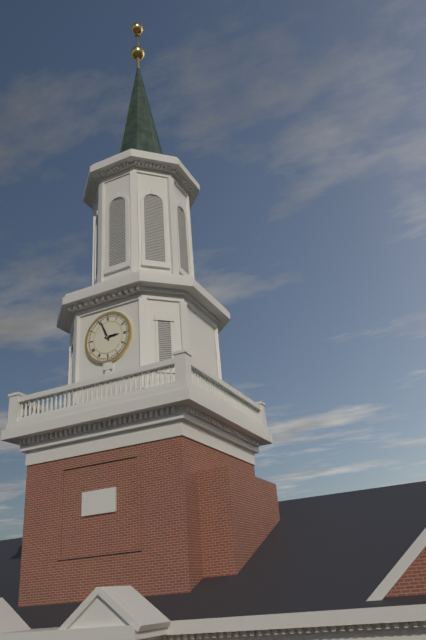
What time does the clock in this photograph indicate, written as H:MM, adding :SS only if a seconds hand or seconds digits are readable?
2:56
